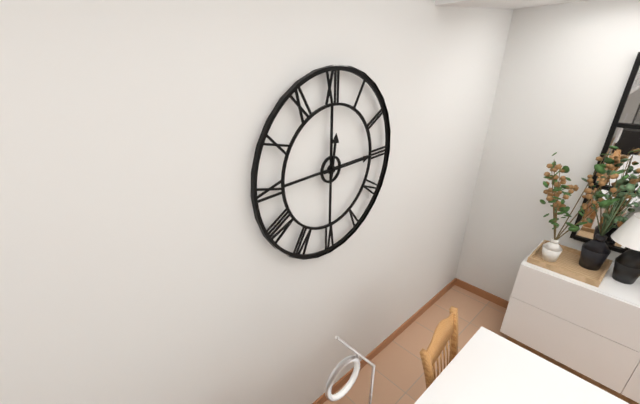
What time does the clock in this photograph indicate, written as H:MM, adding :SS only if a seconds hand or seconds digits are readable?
12:15
